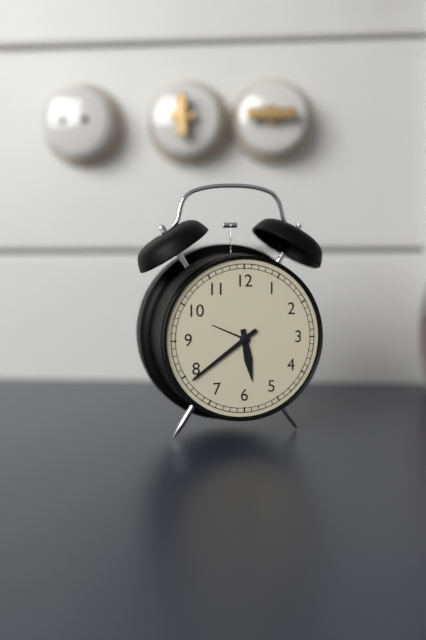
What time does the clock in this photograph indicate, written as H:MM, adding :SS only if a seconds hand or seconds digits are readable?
5:39
